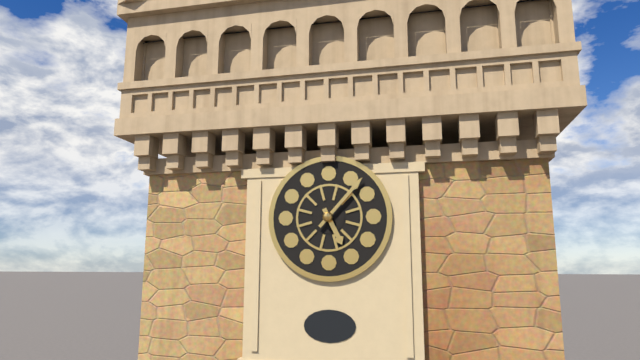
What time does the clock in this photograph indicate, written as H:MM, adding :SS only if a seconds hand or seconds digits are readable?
5:07
